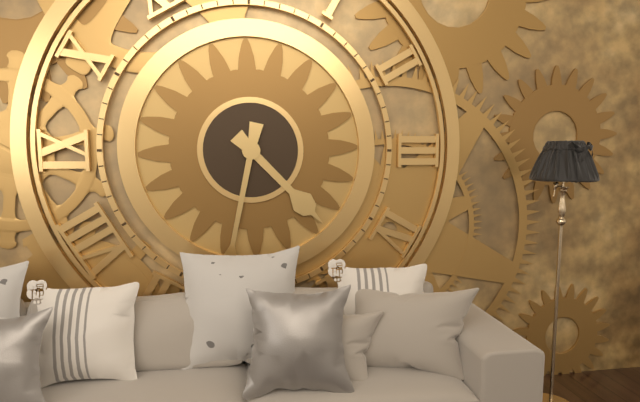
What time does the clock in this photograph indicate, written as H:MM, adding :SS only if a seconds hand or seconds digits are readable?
4:32
